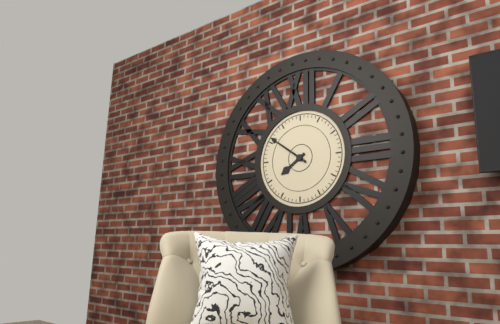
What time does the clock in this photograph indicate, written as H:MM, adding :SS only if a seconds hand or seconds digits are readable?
7:51
